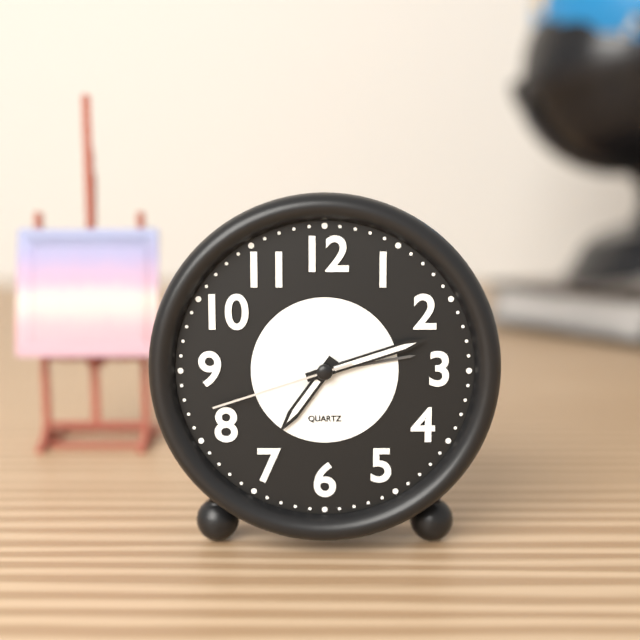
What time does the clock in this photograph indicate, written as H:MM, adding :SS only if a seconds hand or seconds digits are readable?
7:12:42
